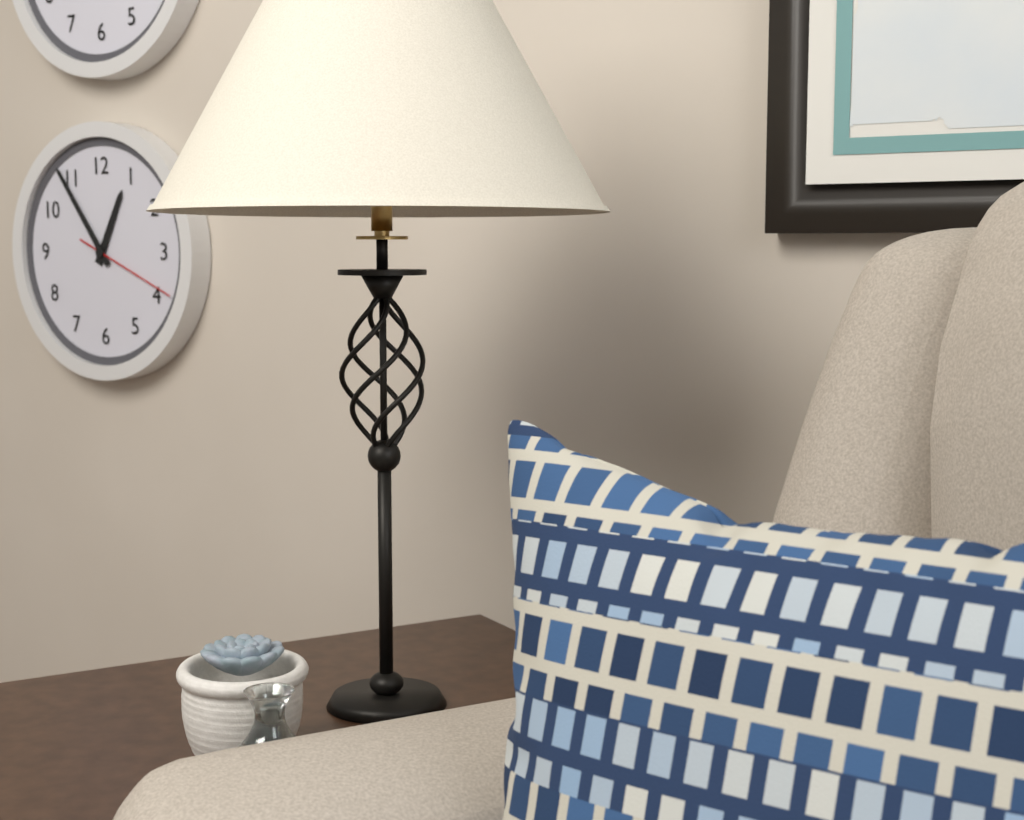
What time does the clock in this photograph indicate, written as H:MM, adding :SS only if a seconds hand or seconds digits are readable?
12:54:19
